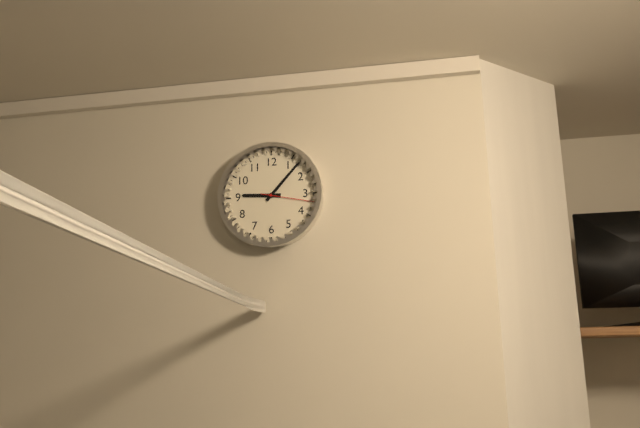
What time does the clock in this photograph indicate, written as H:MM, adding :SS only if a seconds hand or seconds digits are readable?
9:07:17
